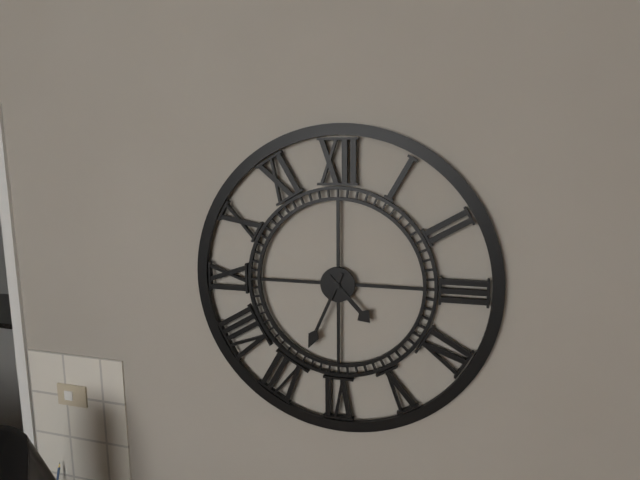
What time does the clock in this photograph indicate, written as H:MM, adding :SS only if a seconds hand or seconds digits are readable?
4:34
